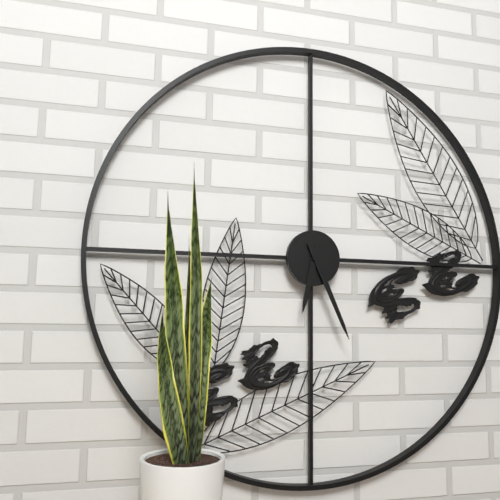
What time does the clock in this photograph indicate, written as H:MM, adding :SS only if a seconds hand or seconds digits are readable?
6:26
